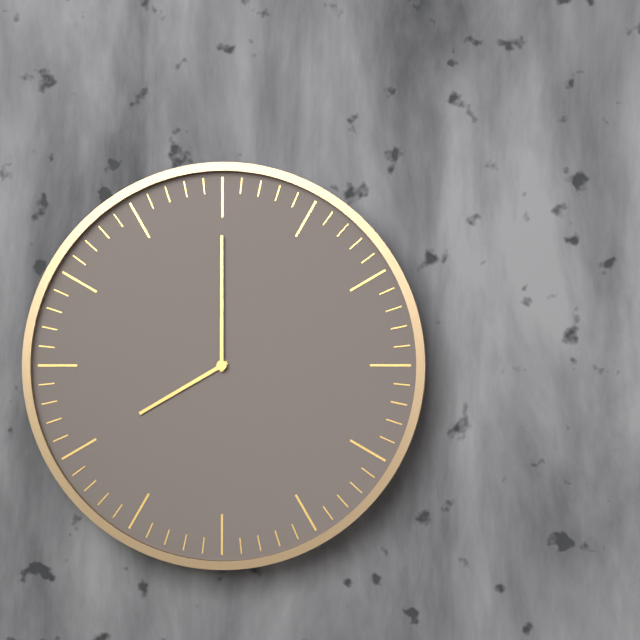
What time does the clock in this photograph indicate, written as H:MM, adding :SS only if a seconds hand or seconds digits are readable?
8:00
